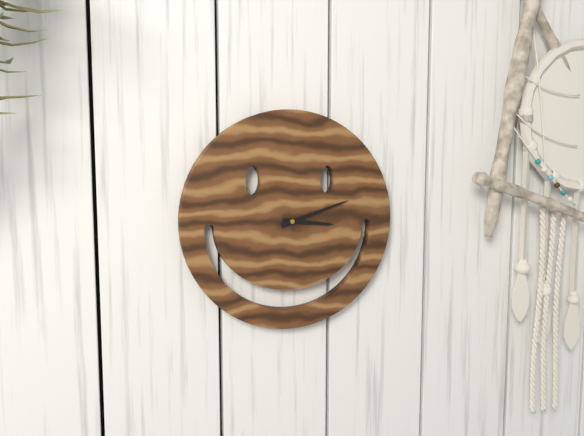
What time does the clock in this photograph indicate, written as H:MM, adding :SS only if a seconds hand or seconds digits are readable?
3:12
